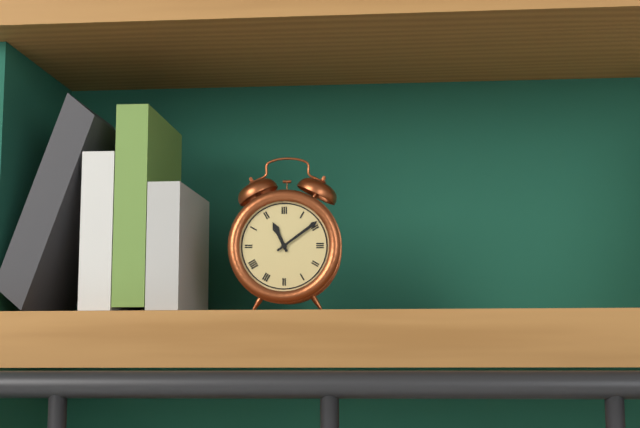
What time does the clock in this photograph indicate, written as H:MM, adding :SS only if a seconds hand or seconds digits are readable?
11:09
